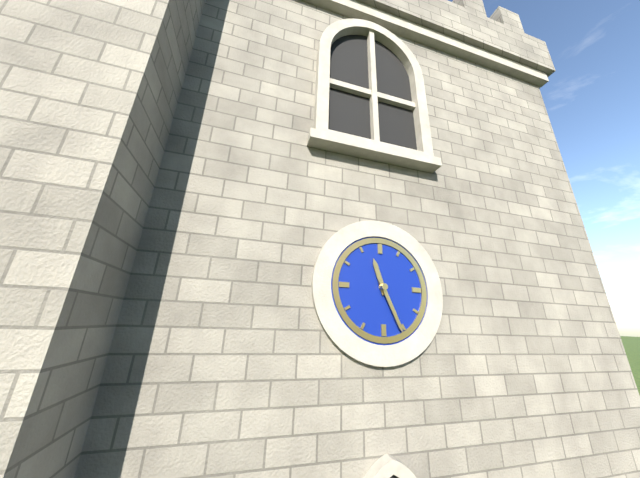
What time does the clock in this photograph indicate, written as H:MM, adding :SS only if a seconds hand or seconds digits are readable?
11:26
